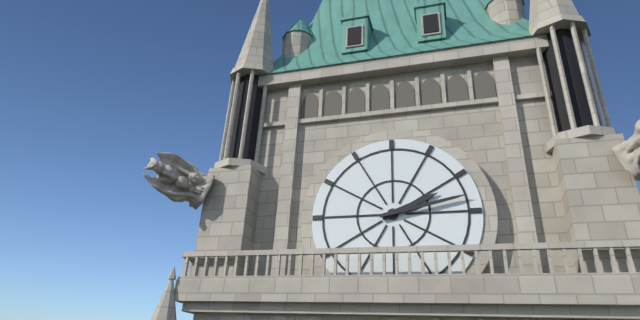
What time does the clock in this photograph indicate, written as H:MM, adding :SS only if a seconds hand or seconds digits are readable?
2:13
